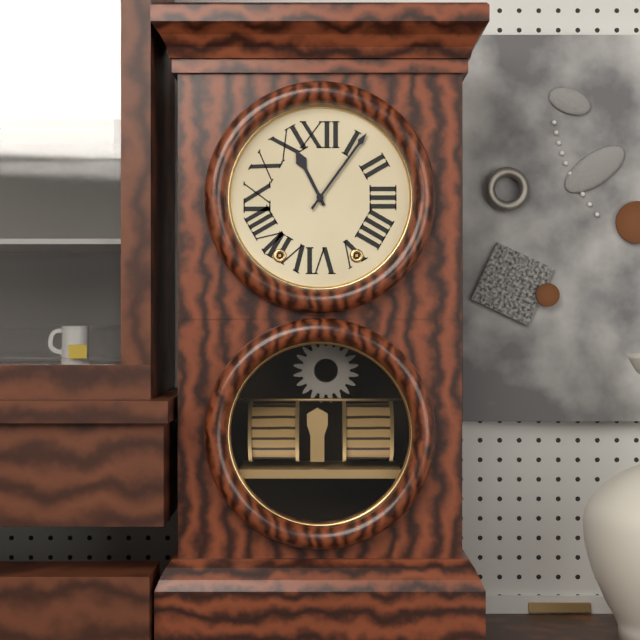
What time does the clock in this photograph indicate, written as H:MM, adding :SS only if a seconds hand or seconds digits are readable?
11:06
